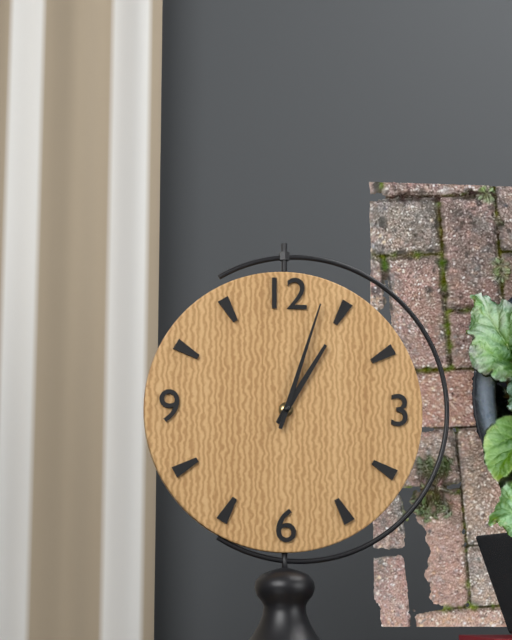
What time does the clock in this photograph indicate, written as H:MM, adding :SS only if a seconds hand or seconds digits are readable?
1:03
